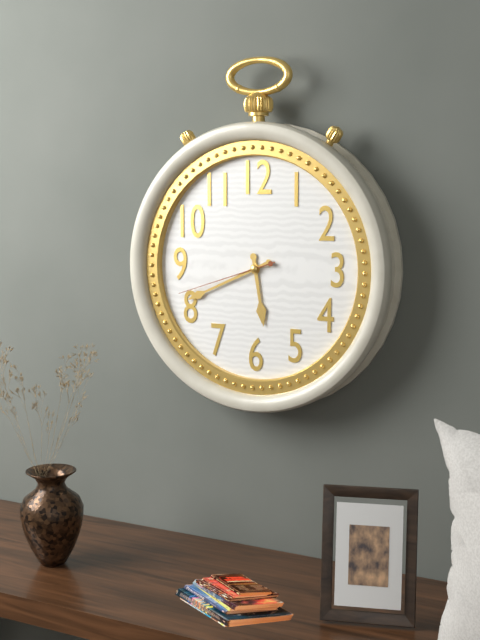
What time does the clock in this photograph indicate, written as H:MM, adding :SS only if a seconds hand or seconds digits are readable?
5:41:42
